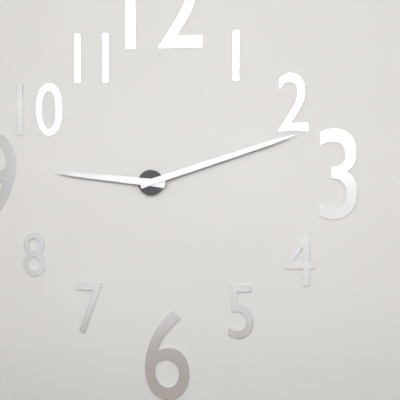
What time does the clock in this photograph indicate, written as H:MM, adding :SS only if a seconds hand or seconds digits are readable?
9:12
